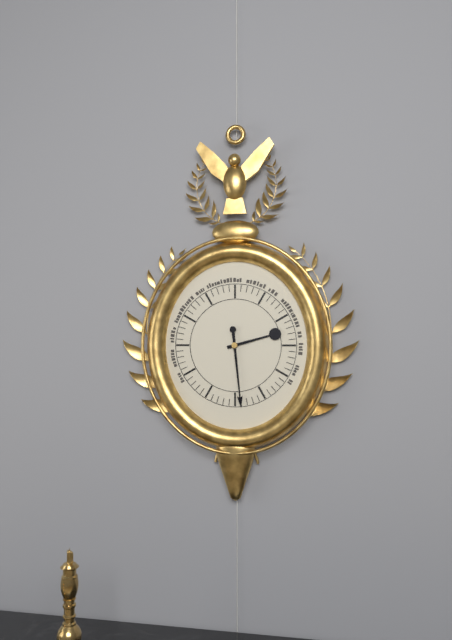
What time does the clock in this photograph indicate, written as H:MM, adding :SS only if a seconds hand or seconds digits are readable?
2:29
